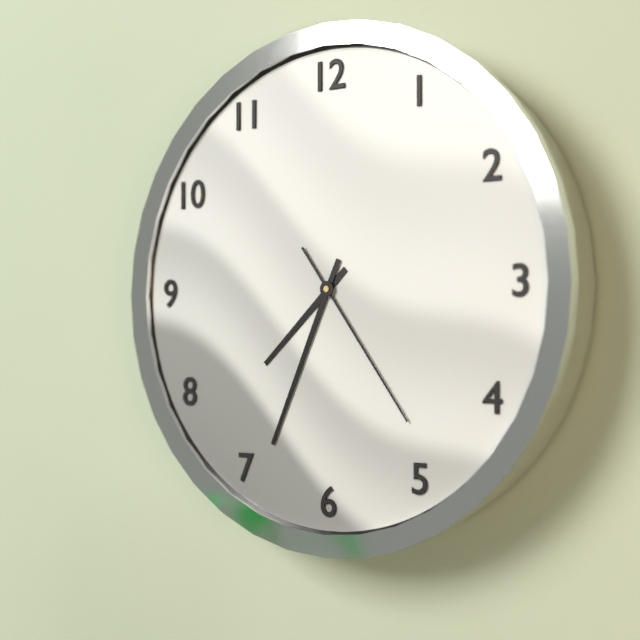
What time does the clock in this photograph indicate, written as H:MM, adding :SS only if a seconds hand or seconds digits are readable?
7:34:24
